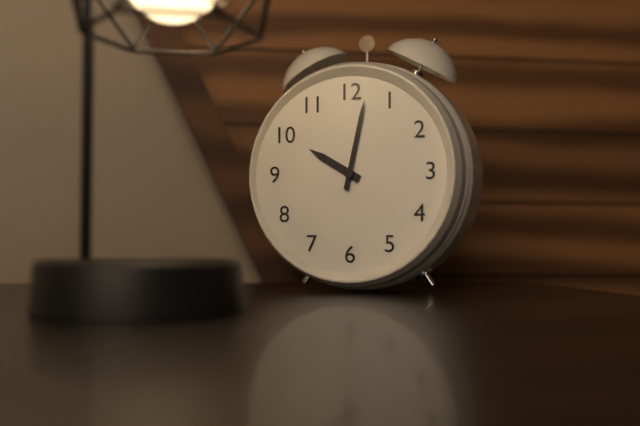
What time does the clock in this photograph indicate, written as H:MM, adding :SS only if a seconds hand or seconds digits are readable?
10:02
